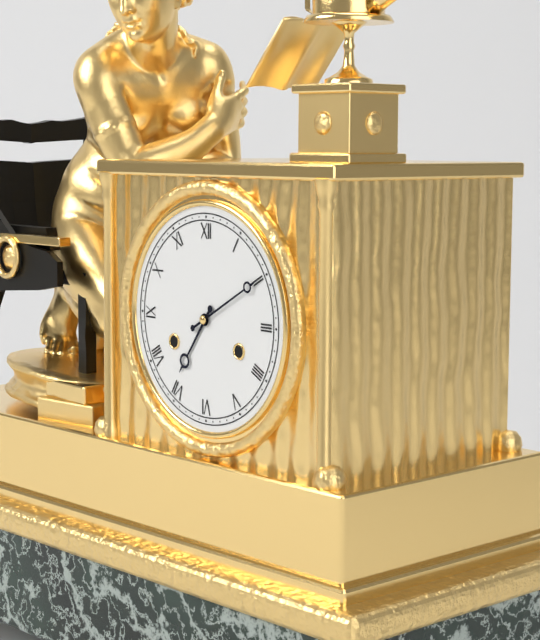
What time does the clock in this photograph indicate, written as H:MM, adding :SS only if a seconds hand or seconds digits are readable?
7:10
